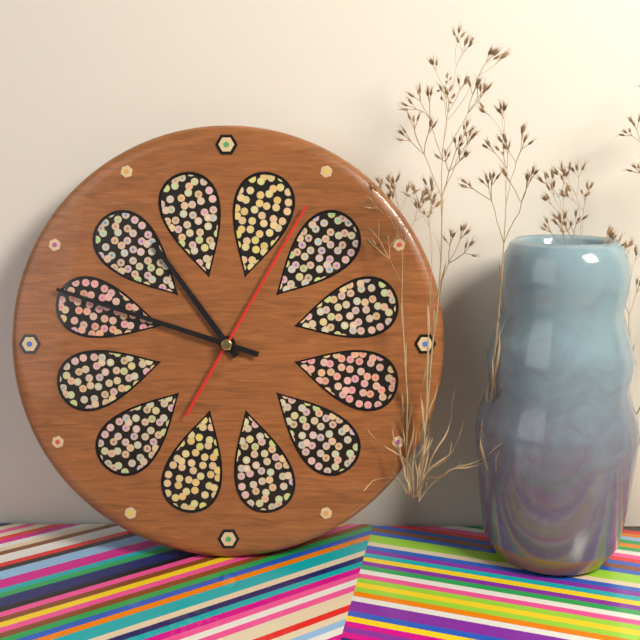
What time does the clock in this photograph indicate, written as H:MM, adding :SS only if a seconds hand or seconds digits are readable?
10:48:05
